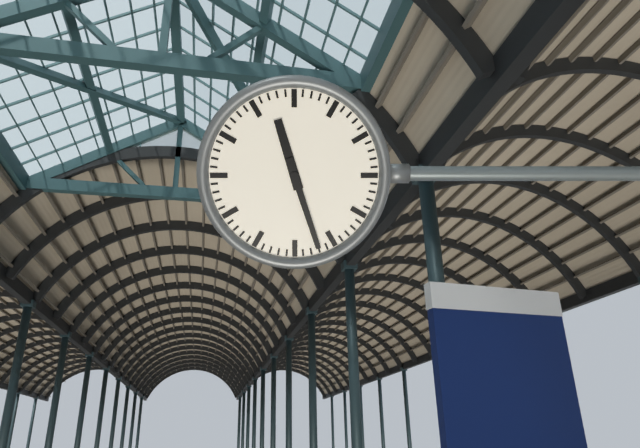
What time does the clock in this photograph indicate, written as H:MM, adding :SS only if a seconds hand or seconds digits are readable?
11:27
